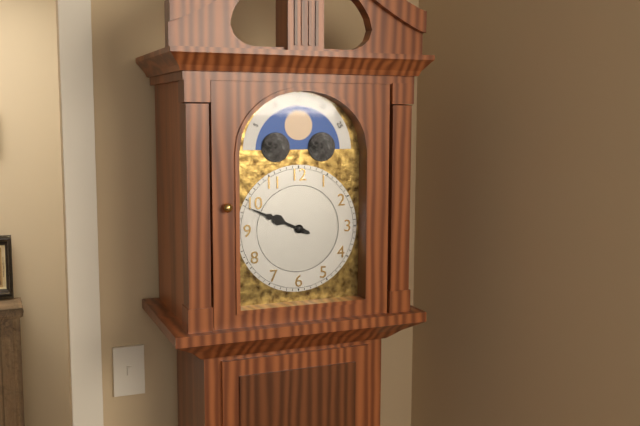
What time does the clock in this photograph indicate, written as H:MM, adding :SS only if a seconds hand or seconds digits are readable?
9:49
